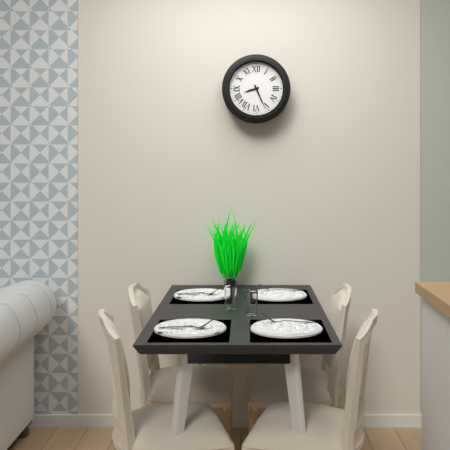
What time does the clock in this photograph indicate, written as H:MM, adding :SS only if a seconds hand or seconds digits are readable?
8:26
